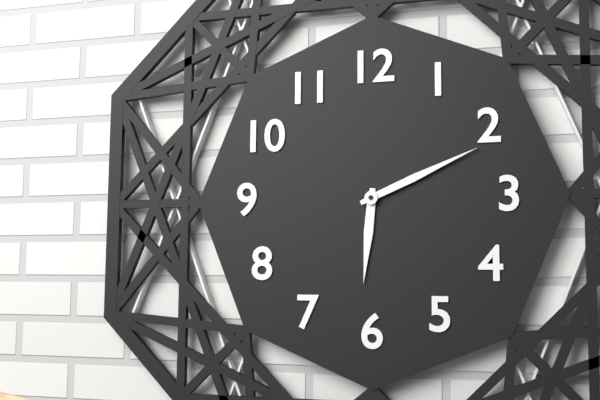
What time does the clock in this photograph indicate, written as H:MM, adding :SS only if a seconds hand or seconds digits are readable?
6:11
